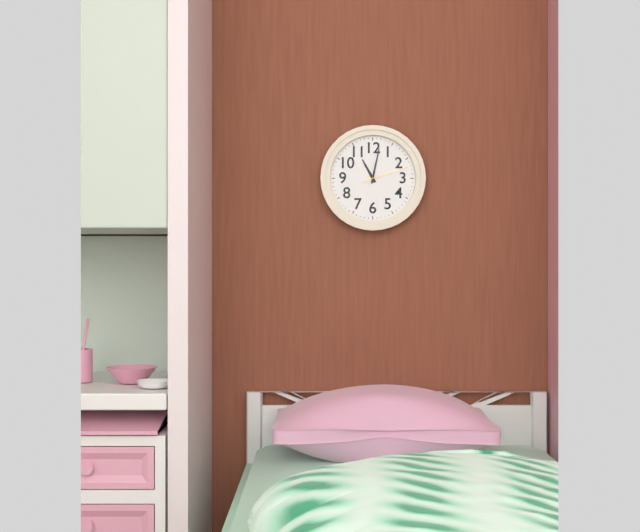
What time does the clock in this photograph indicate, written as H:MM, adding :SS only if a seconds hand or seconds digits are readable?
11:02
